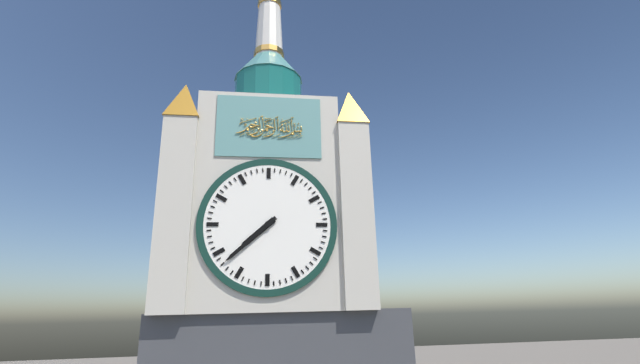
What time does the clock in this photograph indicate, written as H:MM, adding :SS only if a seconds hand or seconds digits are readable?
7:38
